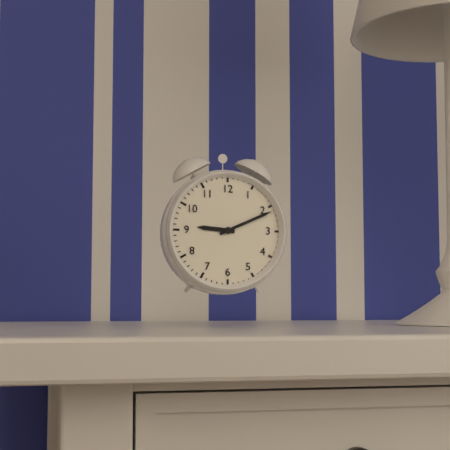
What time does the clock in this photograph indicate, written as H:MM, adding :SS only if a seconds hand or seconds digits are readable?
9:11
